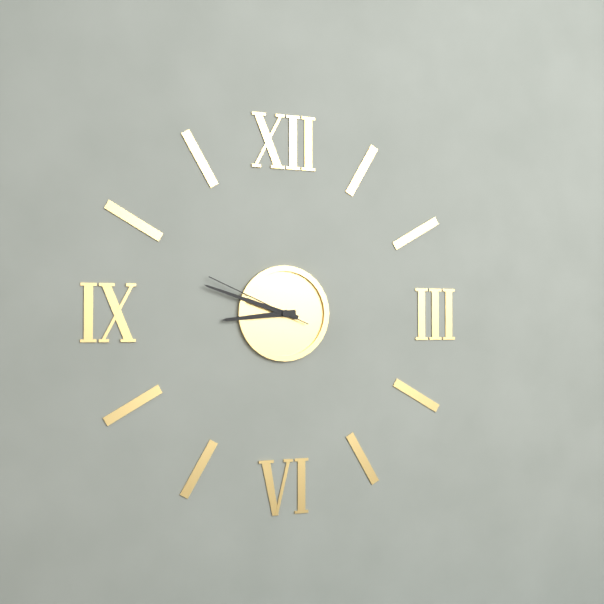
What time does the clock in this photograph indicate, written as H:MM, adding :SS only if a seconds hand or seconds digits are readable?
8:48:49
